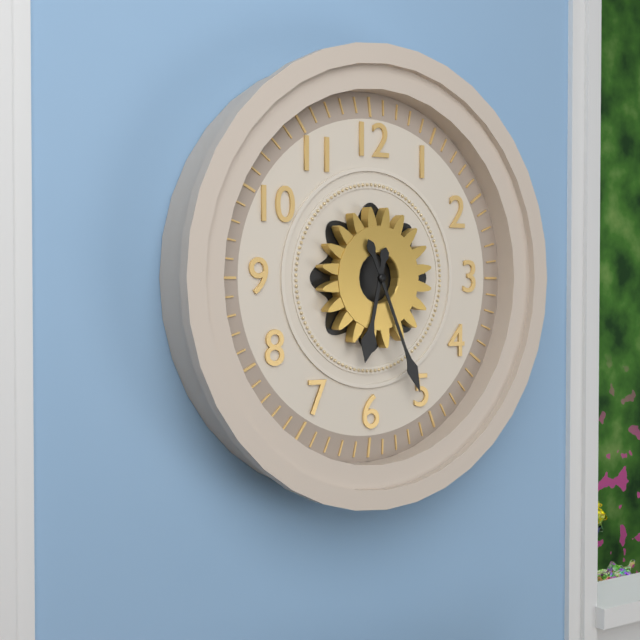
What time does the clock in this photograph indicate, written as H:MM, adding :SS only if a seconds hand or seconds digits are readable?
6:26
